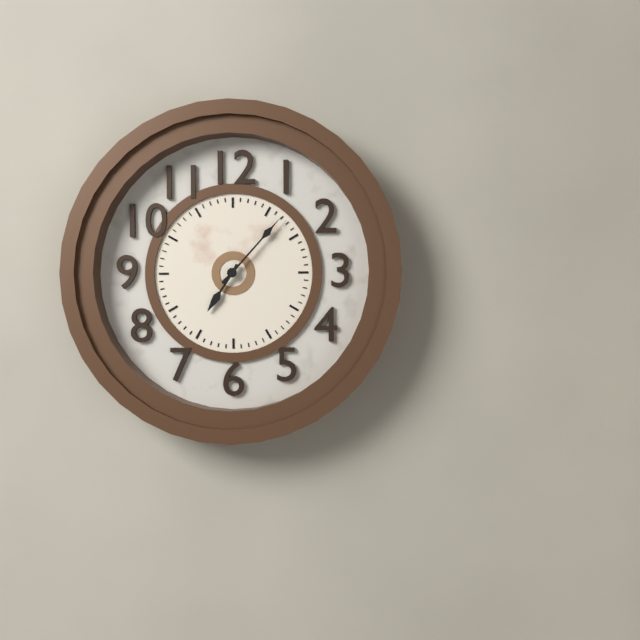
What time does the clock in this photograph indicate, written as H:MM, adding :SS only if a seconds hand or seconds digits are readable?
7:07
